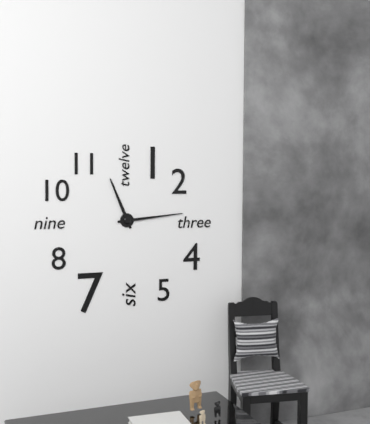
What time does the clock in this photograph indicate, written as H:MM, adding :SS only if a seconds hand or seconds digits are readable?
11:14
